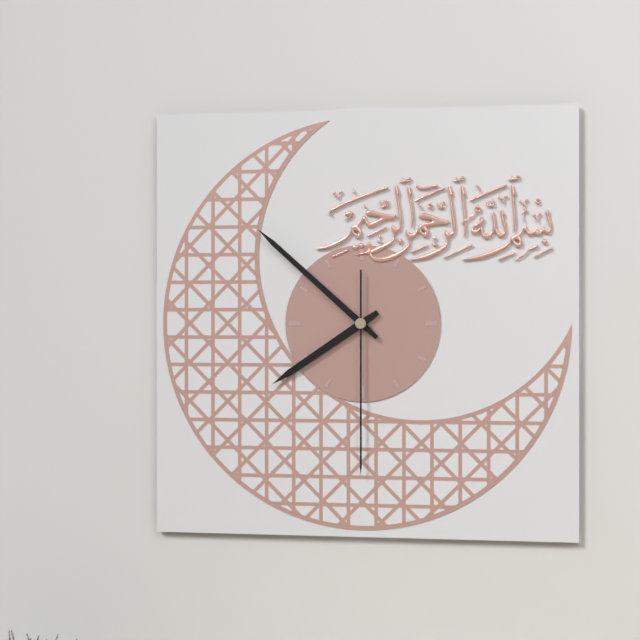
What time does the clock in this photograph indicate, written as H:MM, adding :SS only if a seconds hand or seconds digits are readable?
7:52:30
